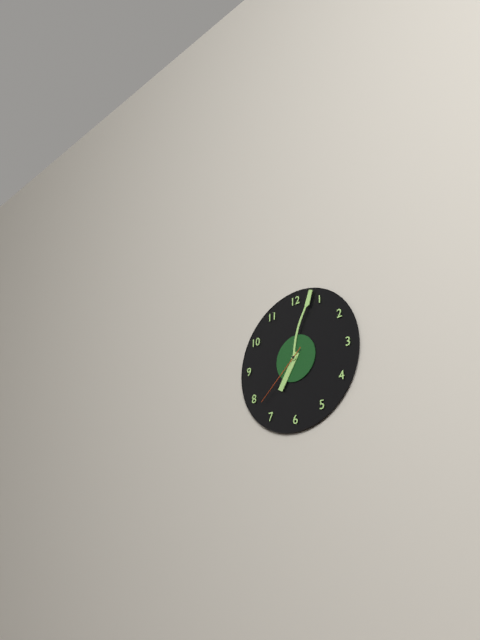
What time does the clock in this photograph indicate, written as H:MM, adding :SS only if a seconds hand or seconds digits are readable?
7:03:38
